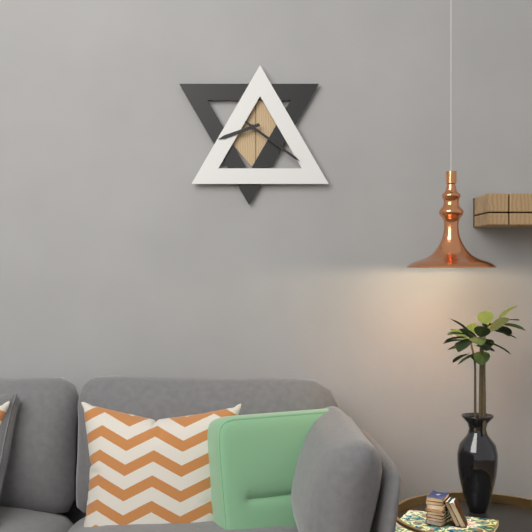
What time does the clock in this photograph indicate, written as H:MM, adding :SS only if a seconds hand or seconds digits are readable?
8:21
